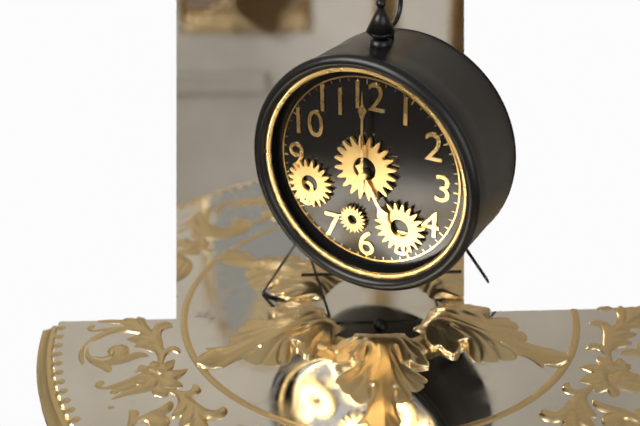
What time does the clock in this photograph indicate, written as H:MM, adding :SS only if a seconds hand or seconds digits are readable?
5:00
